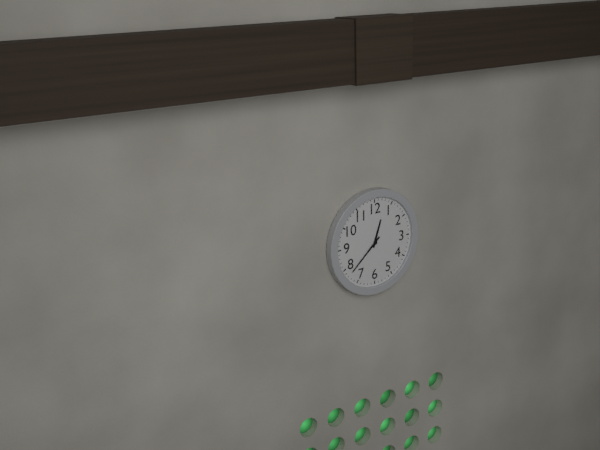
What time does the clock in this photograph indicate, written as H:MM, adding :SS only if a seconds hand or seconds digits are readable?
12:38
